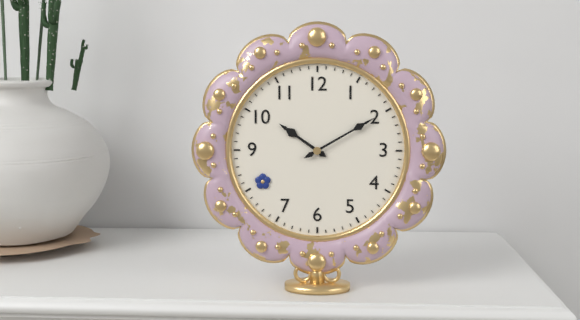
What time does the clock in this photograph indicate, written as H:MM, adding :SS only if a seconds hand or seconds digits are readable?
10:10
